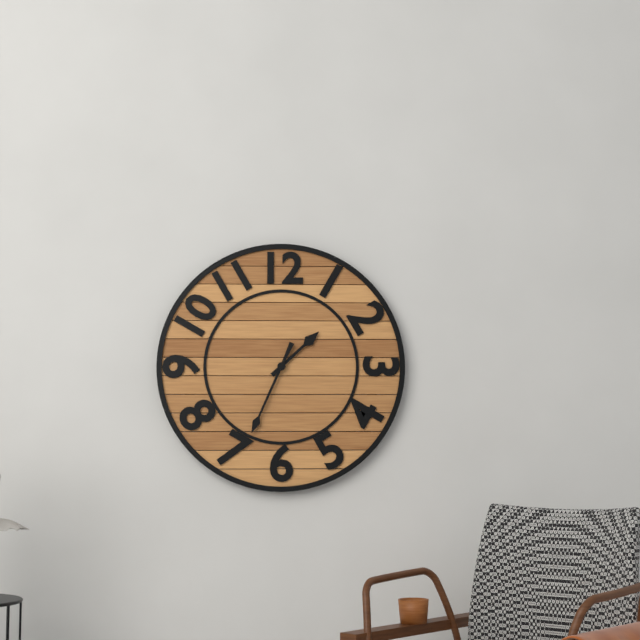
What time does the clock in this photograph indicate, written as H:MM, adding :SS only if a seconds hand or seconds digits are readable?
1:34
